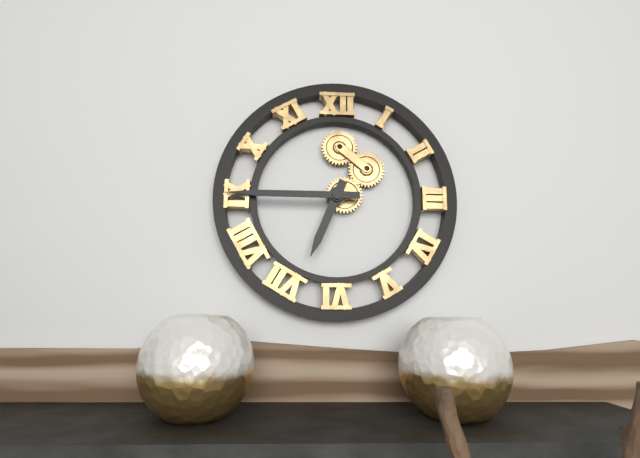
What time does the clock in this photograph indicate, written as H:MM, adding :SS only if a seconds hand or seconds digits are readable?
6:45
